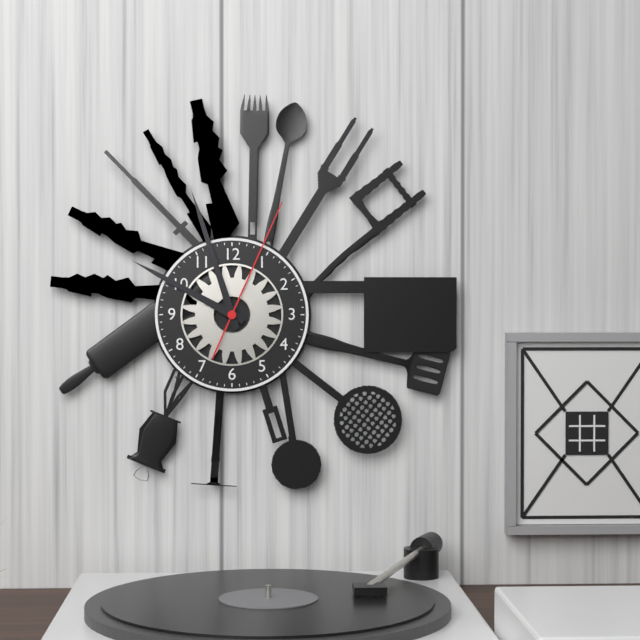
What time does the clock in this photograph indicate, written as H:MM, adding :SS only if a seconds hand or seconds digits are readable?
9:57:04
